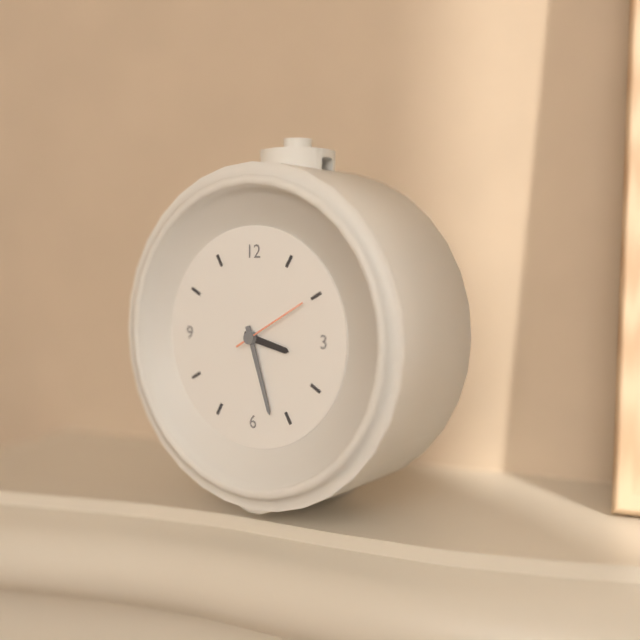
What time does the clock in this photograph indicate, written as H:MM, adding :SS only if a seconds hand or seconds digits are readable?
3:27:10
